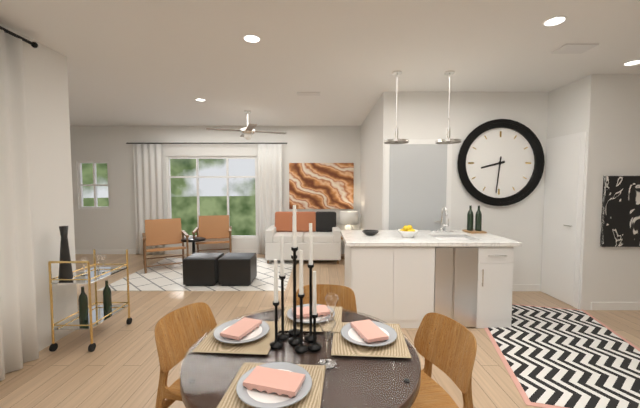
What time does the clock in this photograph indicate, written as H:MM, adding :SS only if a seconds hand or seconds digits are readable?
8:31
